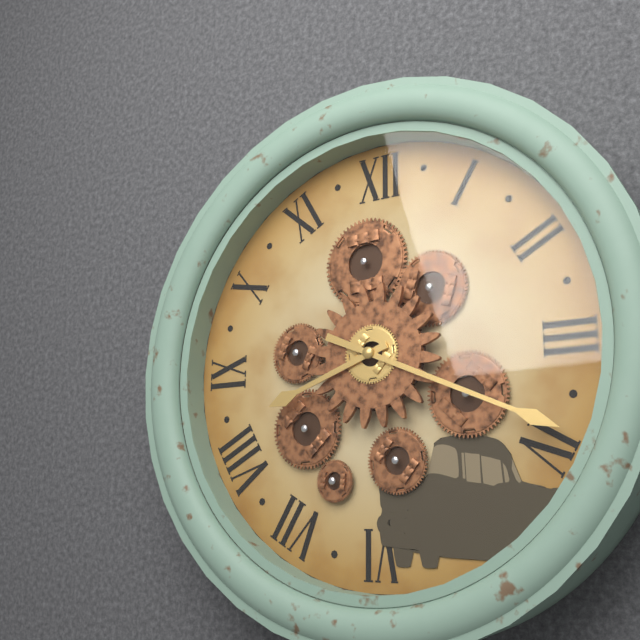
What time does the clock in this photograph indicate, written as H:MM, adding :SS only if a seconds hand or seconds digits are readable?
8:19
